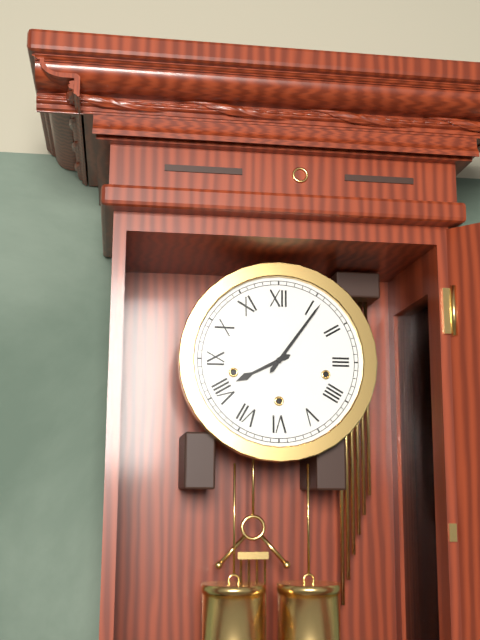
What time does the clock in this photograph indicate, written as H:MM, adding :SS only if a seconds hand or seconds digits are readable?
8:06
